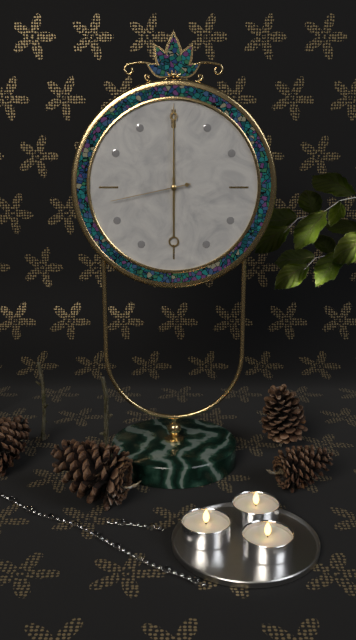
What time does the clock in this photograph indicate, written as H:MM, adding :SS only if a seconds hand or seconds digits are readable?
6:00:43
